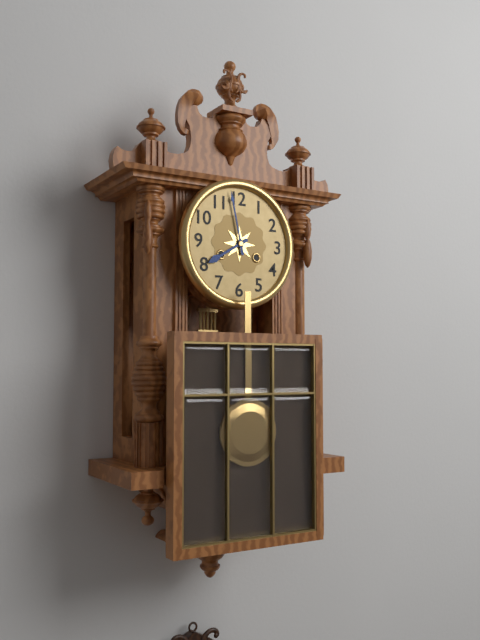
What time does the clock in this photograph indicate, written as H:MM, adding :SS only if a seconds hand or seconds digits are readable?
7:58
